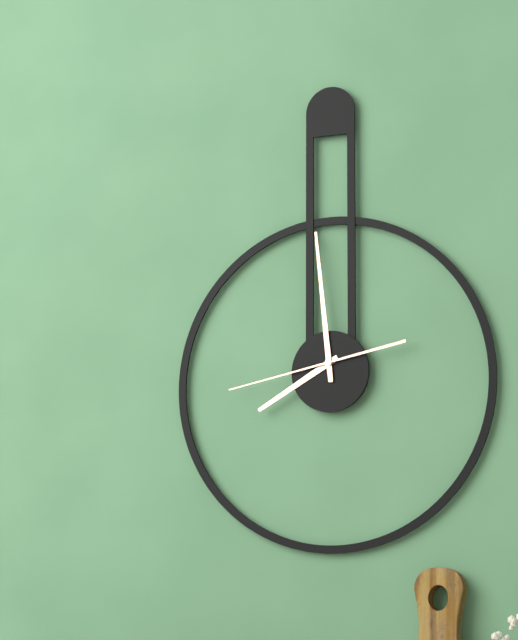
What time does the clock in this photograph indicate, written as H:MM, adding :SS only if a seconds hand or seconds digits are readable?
7:59:43
